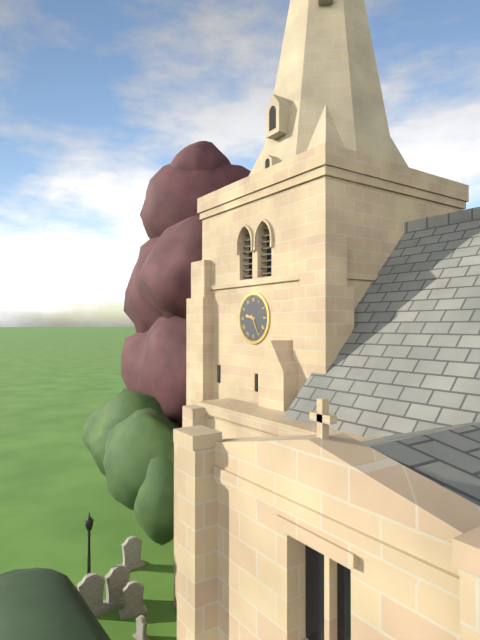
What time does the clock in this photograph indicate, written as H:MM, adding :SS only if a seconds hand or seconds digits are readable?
9:25
